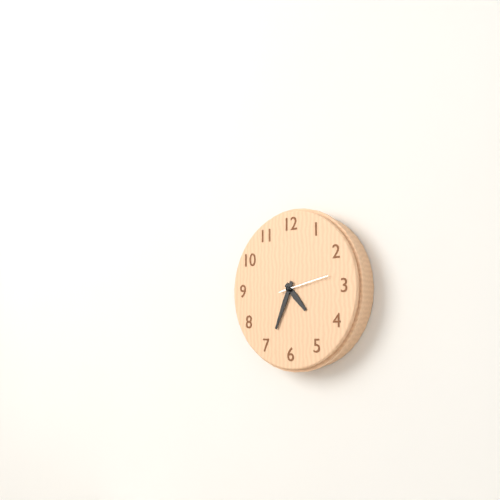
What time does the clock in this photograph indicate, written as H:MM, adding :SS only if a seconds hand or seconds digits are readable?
4:34:13
